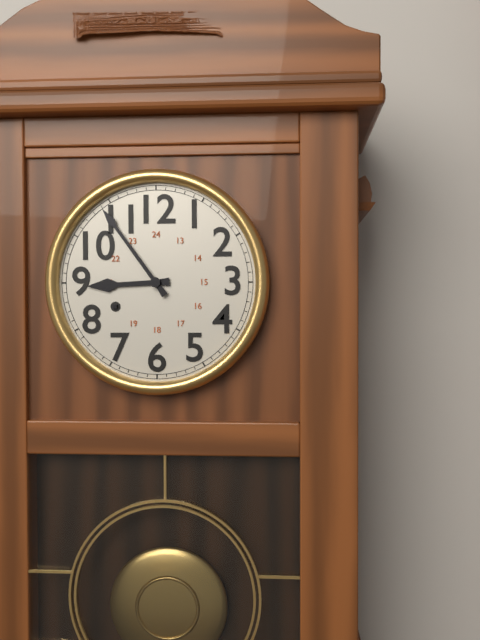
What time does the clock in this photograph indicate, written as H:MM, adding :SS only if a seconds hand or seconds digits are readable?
8:54
